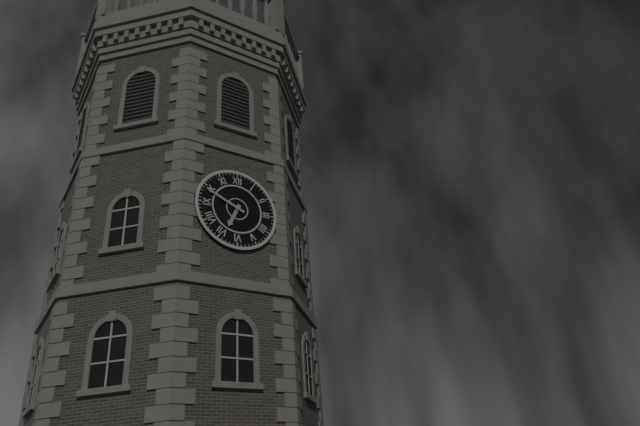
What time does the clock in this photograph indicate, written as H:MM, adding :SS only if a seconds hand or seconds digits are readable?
6:49
